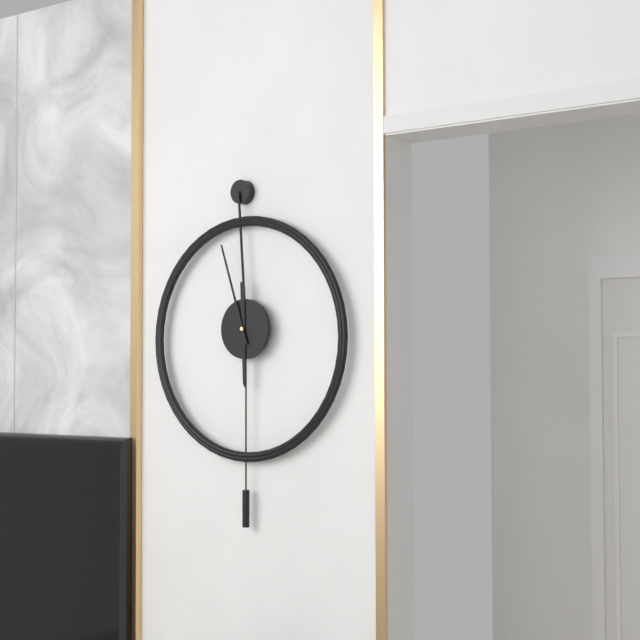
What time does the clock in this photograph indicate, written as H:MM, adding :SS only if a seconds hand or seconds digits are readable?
5:57
